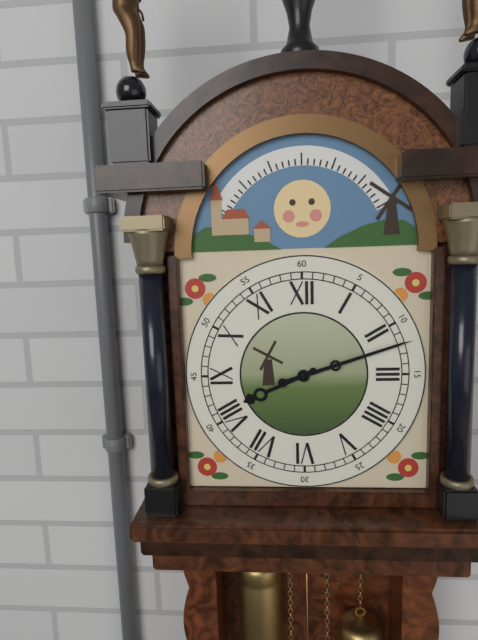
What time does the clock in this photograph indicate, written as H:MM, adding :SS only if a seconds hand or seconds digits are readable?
8:12
